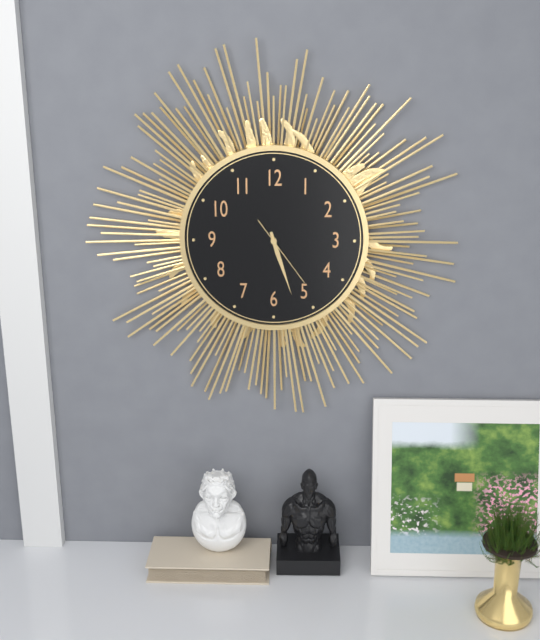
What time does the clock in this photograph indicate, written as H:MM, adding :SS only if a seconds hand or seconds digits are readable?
5:27:24
